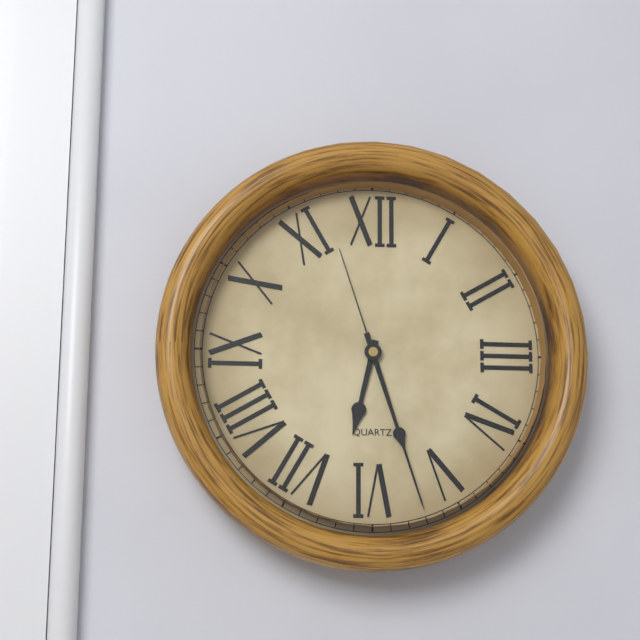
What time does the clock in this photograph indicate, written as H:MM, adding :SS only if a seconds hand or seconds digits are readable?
6:27:57
